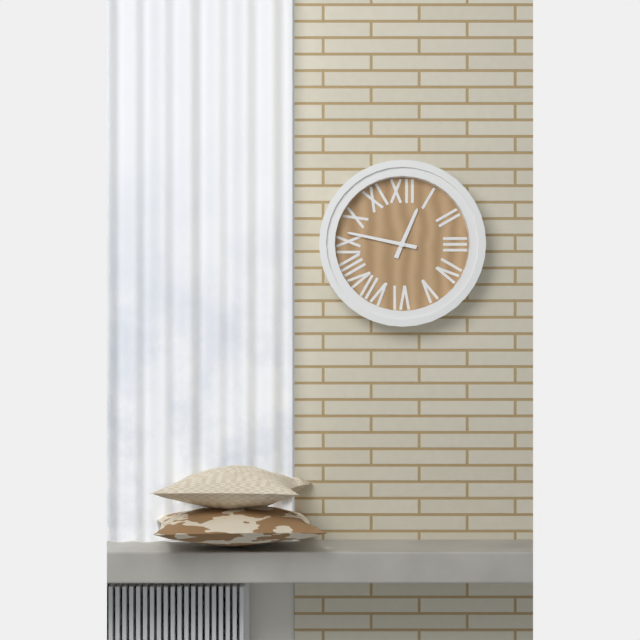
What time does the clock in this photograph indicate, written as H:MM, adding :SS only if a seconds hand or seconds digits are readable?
12:47
